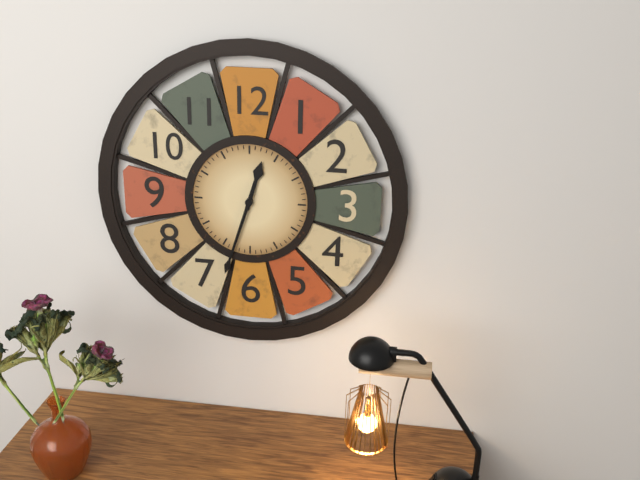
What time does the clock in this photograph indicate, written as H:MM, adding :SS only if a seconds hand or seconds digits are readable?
12:33
